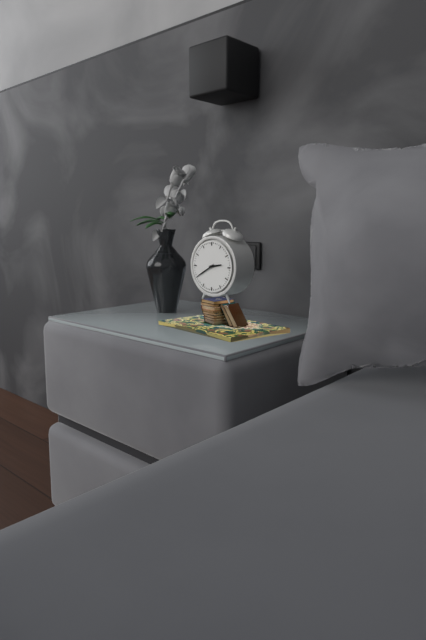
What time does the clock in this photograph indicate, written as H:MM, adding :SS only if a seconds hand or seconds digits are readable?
2:40
